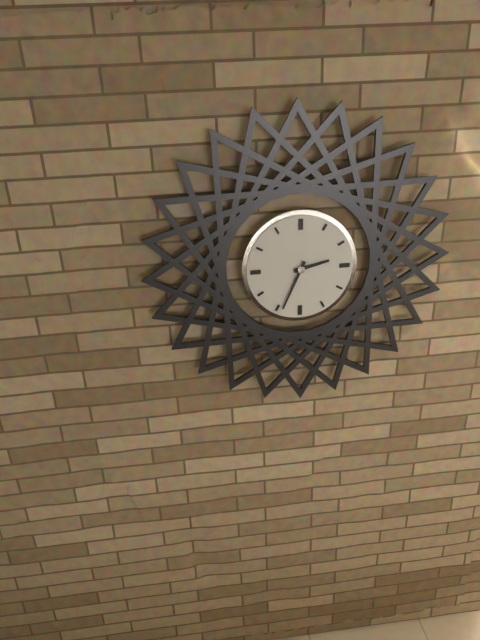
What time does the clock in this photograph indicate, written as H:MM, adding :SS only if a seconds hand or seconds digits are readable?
2:34
